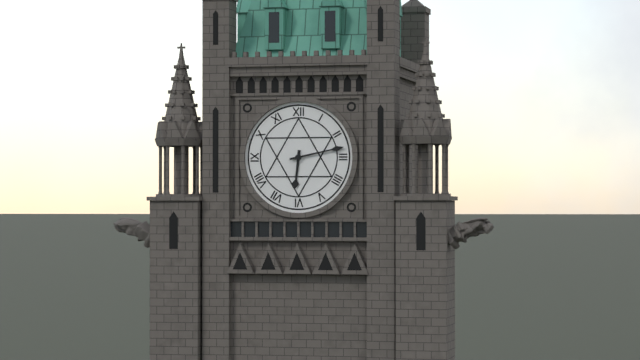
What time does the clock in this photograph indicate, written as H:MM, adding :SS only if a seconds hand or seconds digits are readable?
6:13
